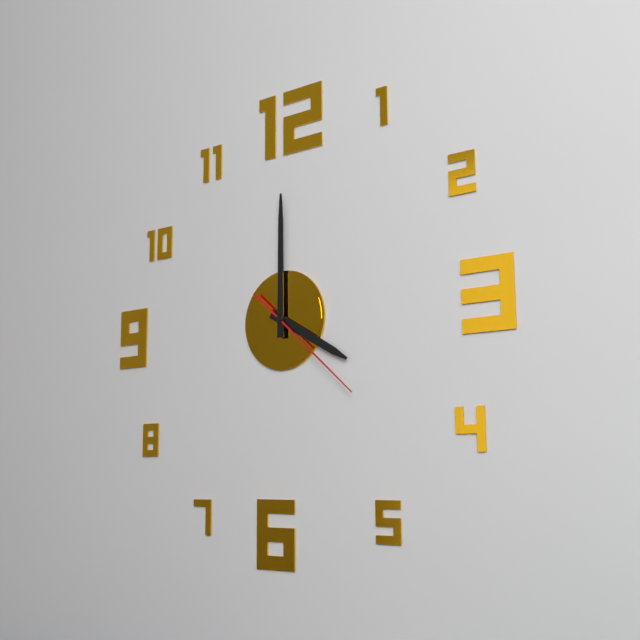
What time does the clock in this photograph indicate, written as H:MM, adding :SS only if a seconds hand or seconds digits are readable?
4:00:22
